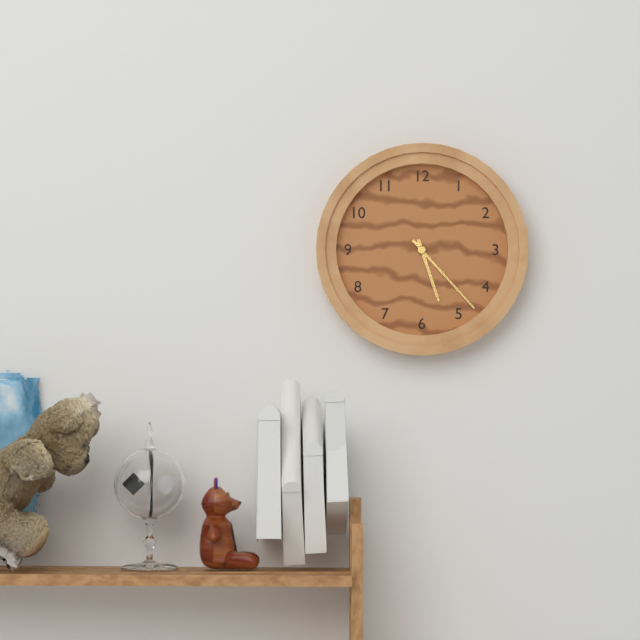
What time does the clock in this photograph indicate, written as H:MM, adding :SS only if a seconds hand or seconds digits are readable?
5:23
